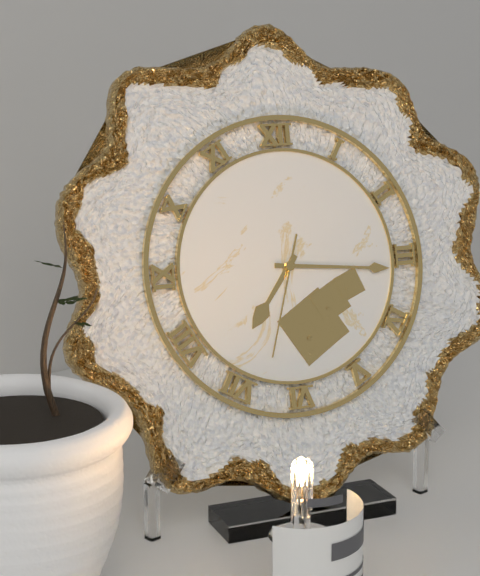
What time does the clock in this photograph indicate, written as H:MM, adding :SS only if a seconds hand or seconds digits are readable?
7:16:33
